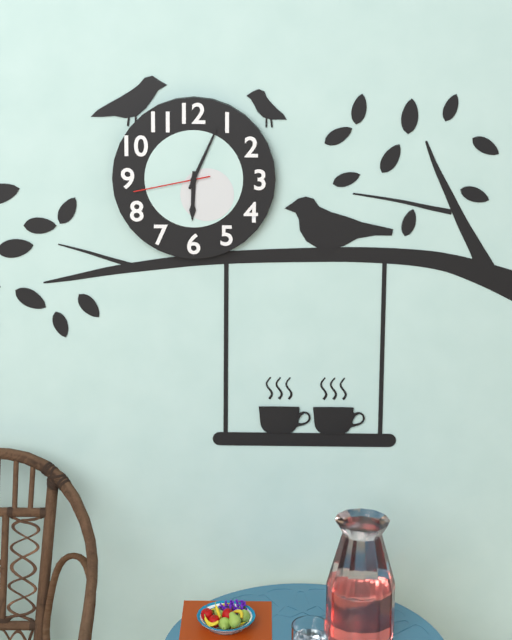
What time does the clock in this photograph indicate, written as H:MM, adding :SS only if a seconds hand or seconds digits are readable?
6:04:43
